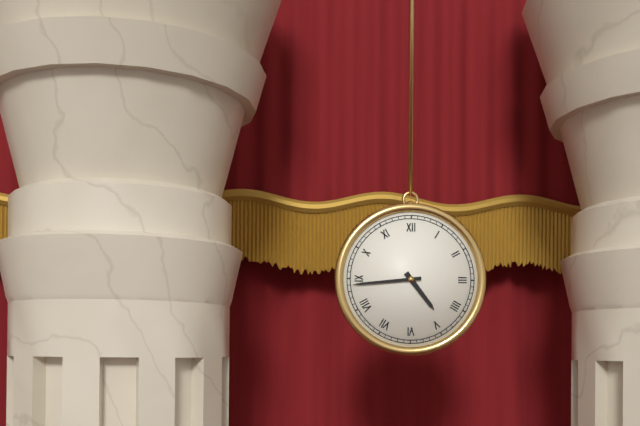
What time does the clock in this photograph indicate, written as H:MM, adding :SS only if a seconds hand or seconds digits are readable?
4:44
